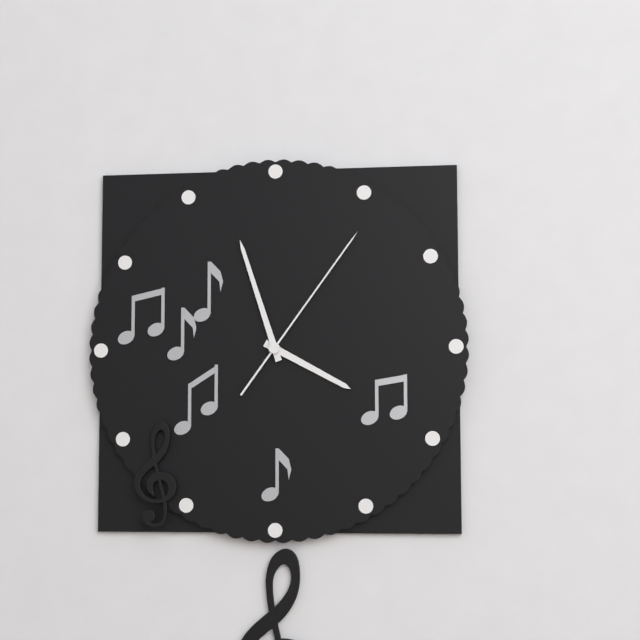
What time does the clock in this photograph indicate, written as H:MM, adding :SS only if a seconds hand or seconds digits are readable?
3:57:06
